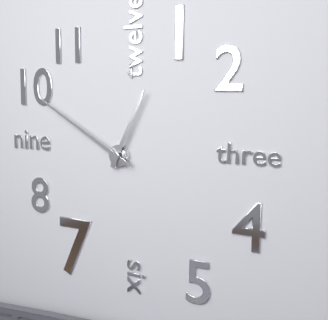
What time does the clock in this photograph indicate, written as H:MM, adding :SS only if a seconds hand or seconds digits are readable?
12:50
